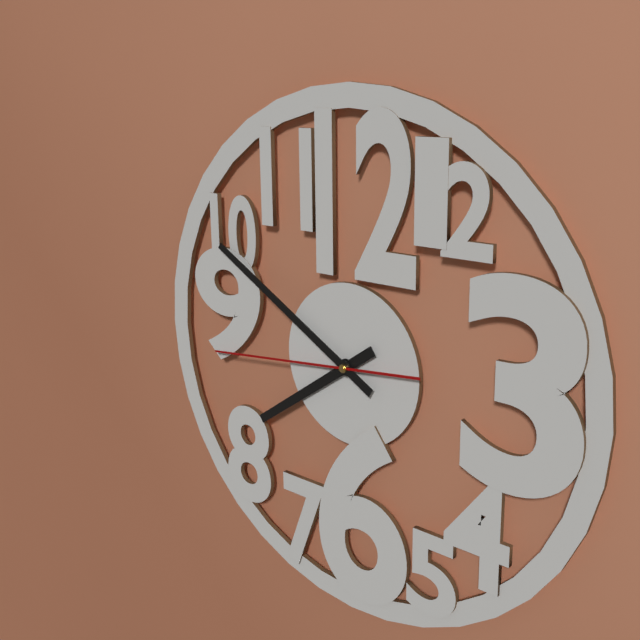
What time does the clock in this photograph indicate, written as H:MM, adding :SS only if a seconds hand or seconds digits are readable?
7:50:44
